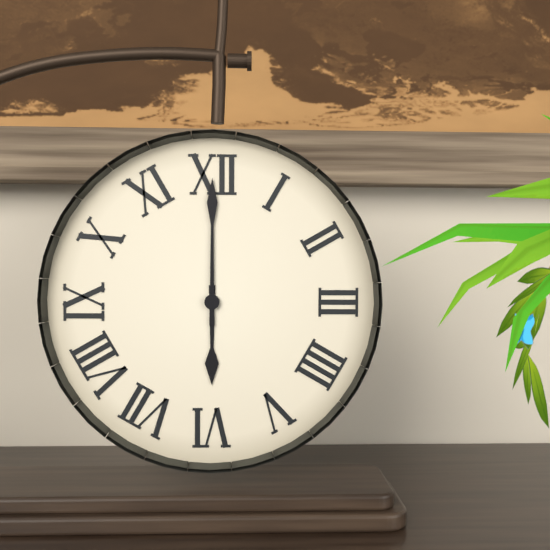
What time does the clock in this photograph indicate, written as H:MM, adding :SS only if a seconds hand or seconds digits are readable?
6:00
